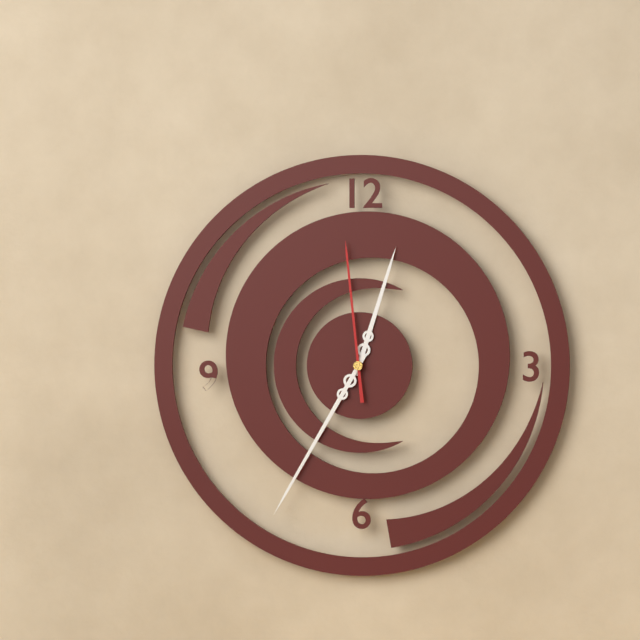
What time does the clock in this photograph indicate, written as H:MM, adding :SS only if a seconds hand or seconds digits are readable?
12:35:59
